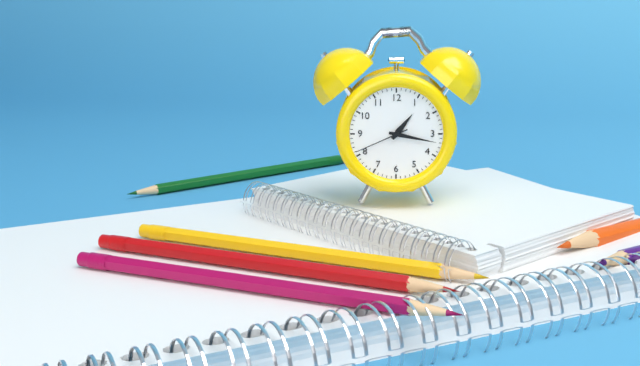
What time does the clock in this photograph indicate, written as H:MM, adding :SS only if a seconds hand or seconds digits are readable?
1:17:41
